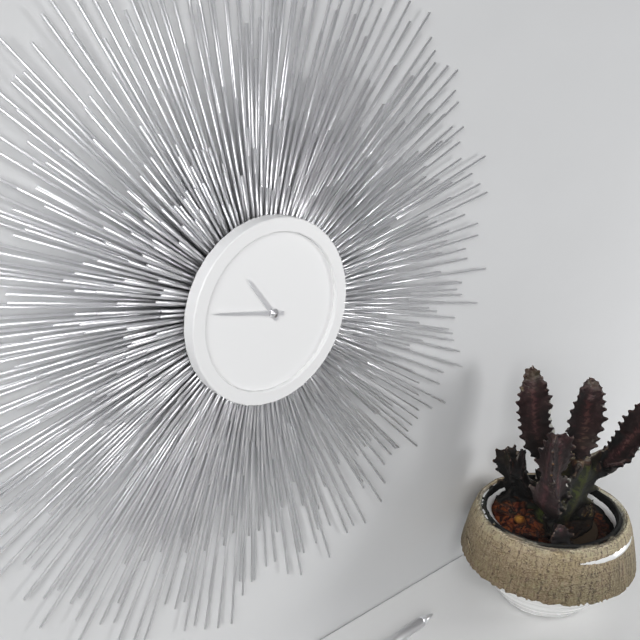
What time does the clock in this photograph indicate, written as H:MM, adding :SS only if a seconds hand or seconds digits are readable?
10:47
